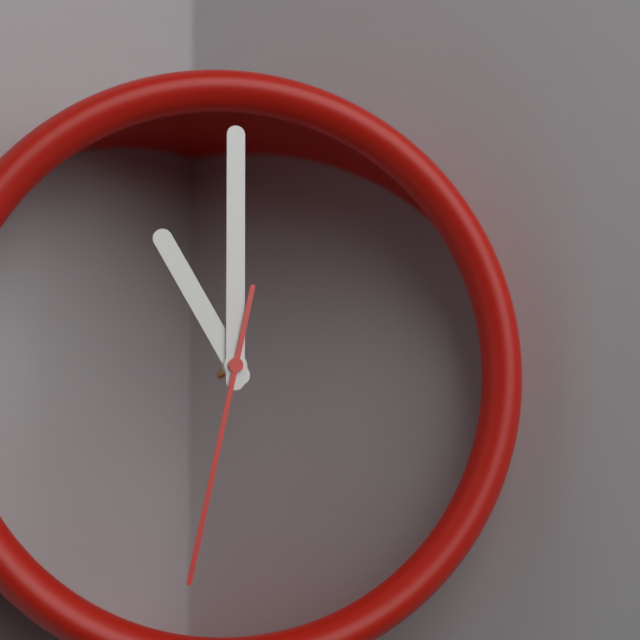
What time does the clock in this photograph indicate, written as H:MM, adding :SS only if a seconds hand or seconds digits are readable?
11:00:32
